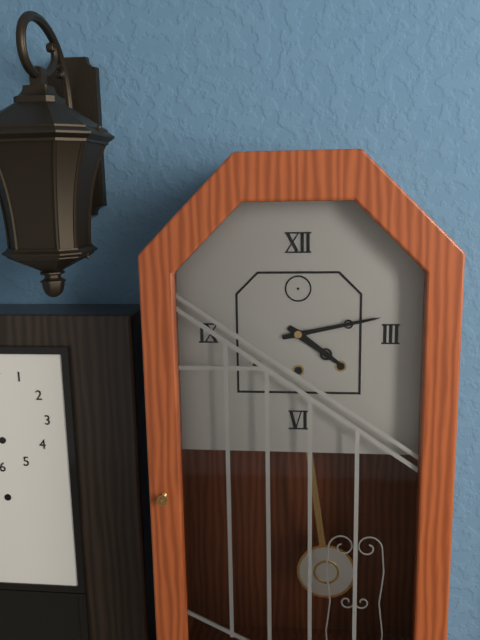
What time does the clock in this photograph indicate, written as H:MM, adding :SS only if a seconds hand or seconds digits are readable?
4:13
